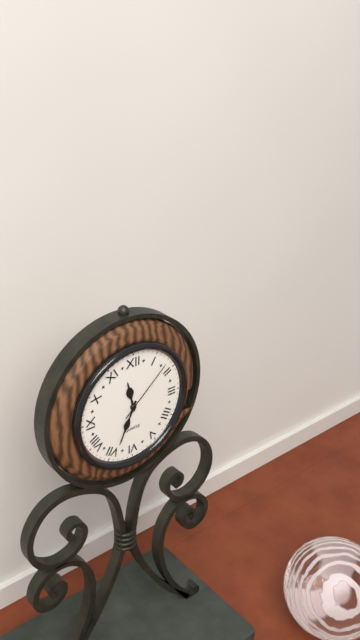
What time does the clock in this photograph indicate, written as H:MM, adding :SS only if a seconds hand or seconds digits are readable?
11:34:08
